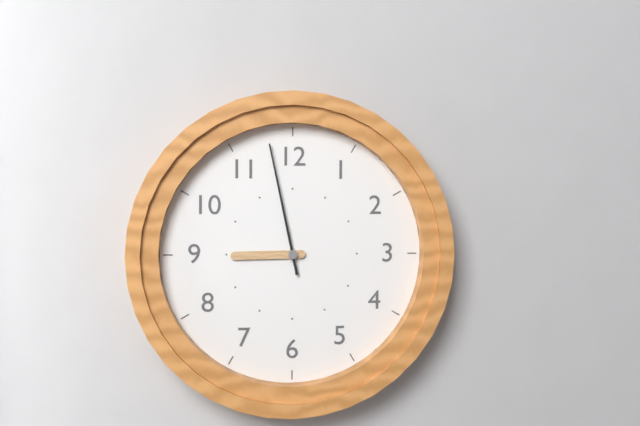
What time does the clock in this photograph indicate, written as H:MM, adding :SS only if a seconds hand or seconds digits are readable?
8:58
